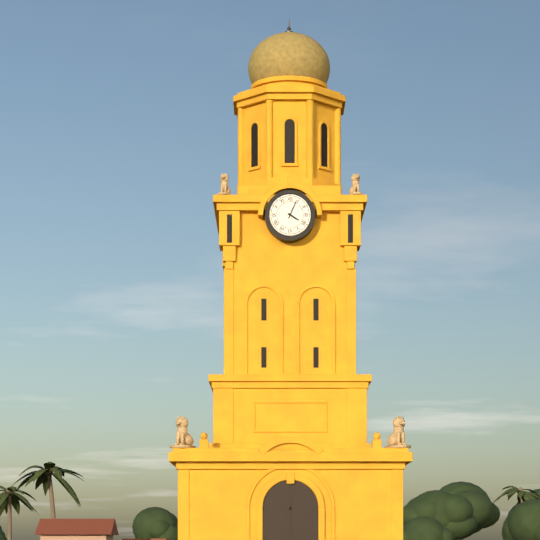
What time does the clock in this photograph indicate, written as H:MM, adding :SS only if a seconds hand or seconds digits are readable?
4:04
